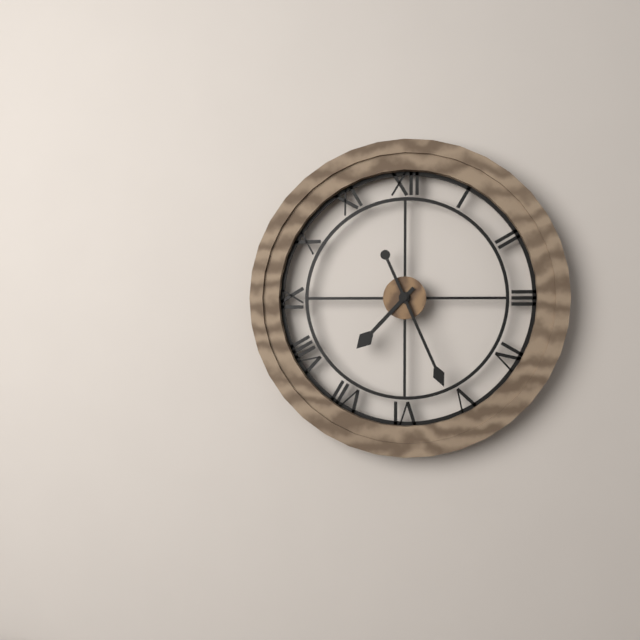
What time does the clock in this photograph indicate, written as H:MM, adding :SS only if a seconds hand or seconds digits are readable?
7:26
